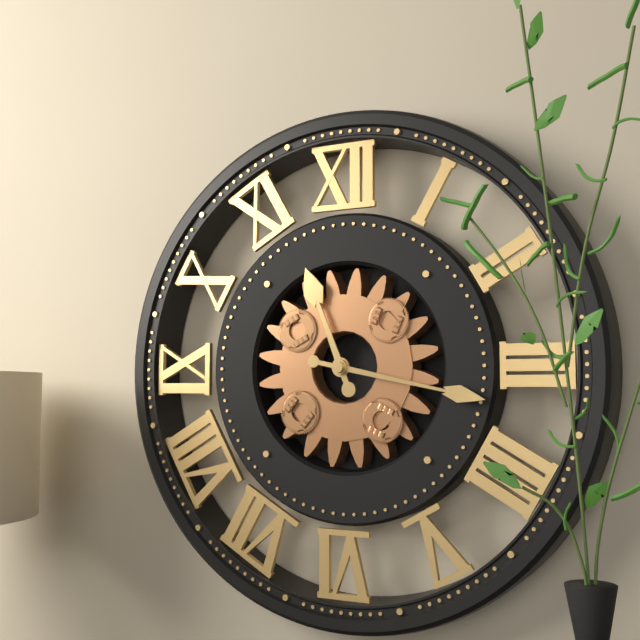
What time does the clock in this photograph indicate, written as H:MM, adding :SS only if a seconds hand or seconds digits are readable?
11:17
